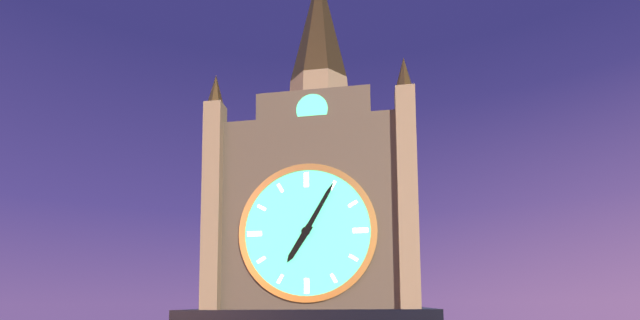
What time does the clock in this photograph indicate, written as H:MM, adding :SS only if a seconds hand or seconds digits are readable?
7:05
